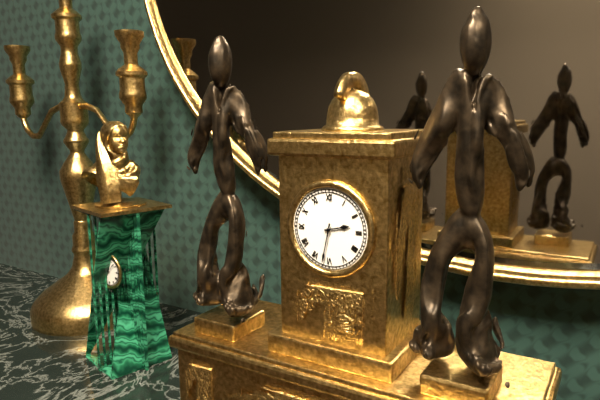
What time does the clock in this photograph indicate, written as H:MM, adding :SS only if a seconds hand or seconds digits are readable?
2:32
